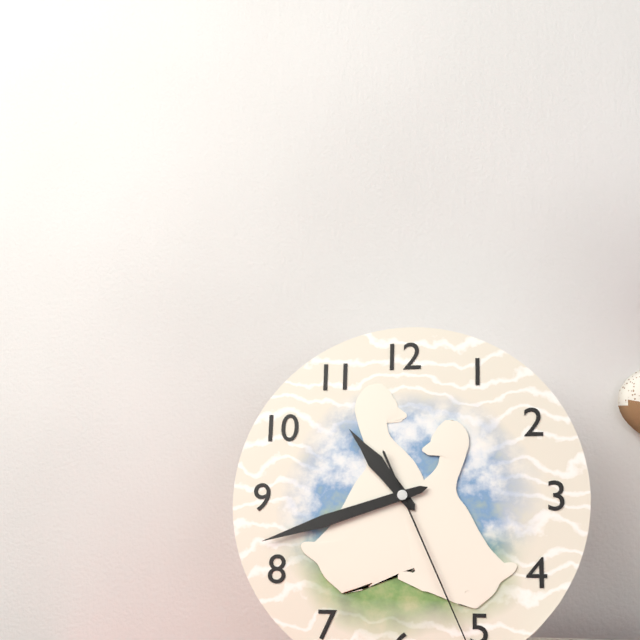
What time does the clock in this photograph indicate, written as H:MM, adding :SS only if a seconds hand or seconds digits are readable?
10:42
